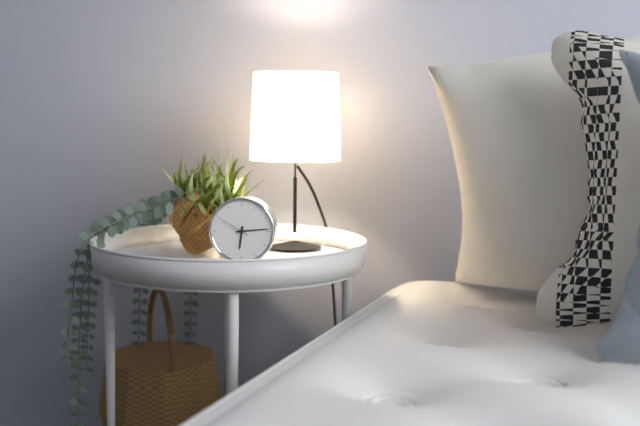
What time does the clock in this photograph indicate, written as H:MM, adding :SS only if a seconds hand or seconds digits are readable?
6:14
